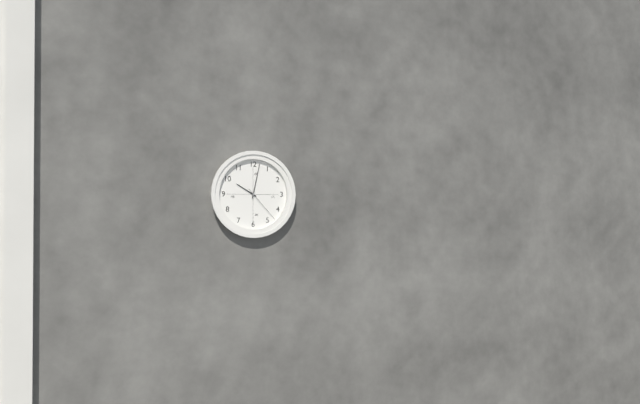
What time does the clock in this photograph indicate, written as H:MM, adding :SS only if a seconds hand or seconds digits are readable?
10:02
